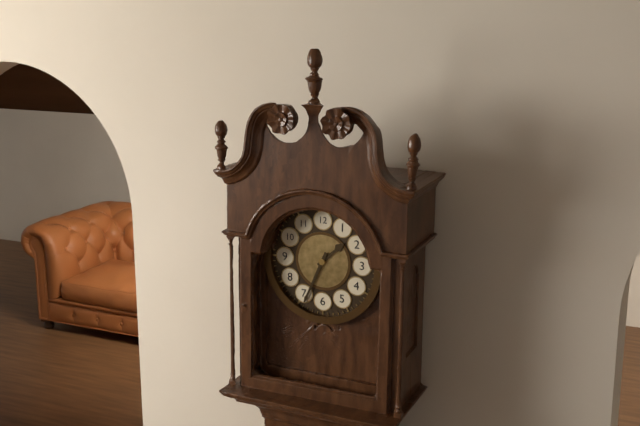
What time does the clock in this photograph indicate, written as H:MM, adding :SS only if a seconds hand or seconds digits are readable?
1:34
